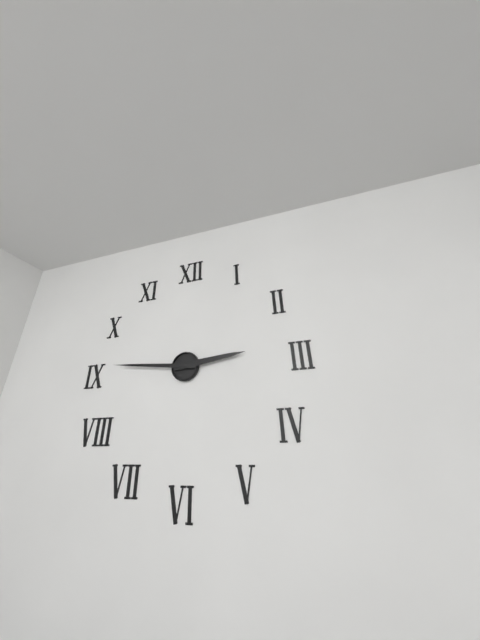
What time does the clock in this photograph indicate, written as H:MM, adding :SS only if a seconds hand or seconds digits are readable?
2:46
